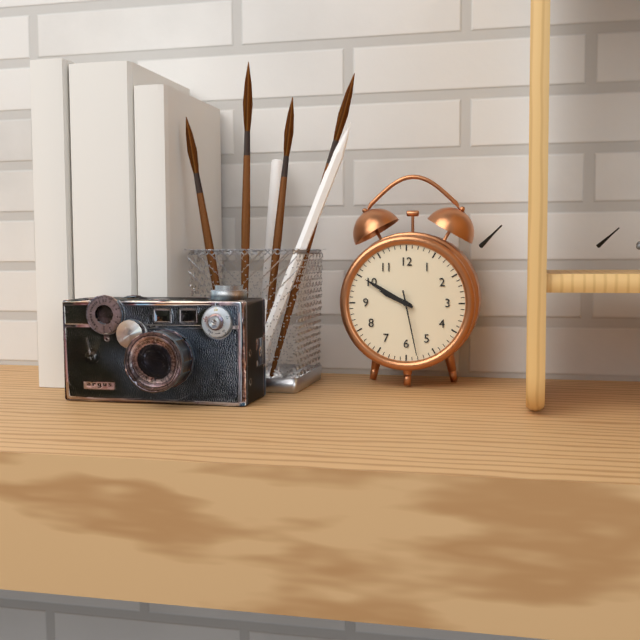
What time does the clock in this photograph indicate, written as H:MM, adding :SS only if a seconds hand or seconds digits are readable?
9:50:28
